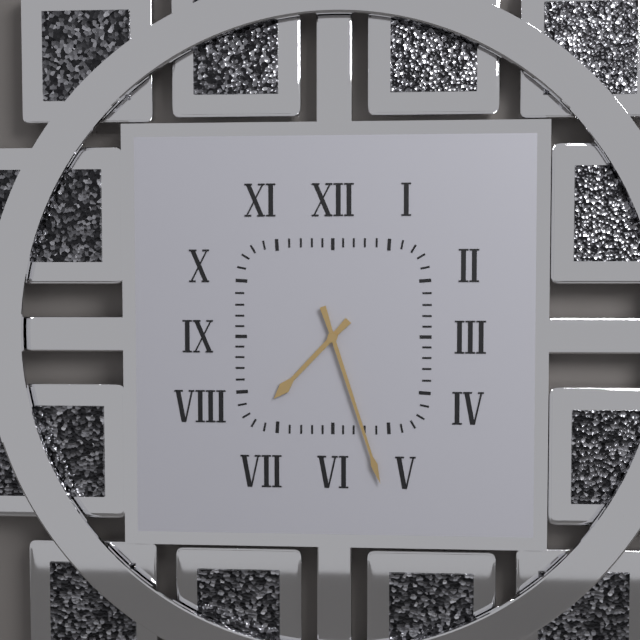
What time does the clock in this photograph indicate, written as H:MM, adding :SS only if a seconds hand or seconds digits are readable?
7:27
